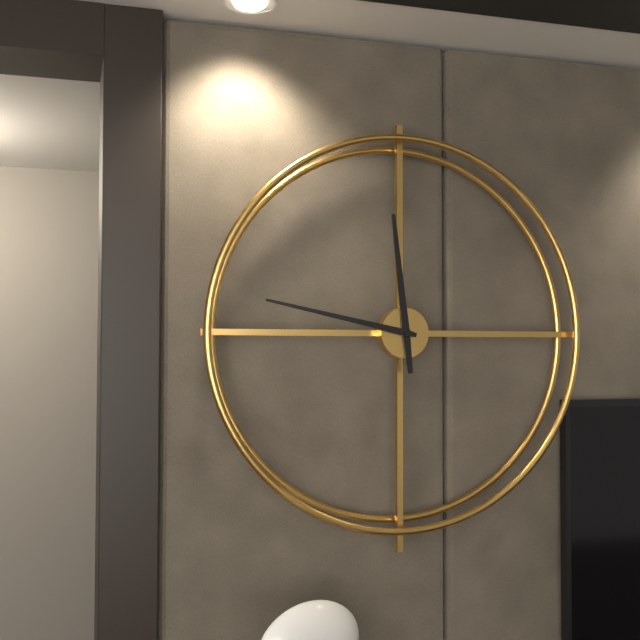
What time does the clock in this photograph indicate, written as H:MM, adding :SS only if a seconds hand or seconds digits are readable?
11:47
